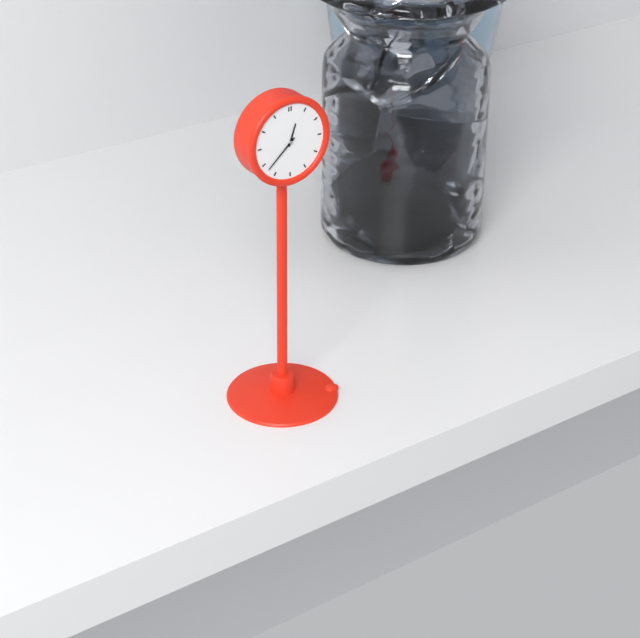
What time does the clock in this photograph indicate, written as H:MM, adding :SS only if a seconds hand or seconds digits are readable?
12:38
